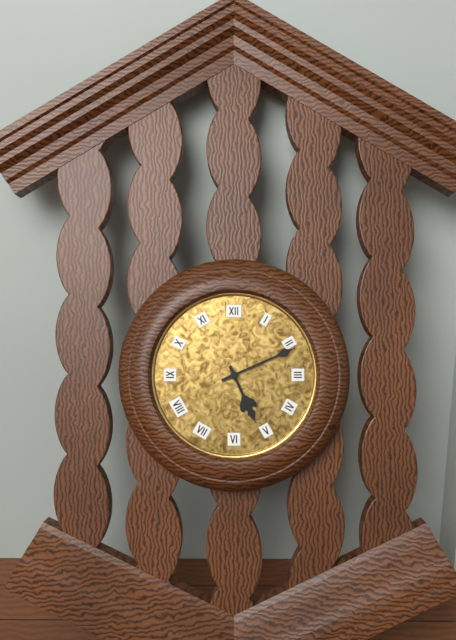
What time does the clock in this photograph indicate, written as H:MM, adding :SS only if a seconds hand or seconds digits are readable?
5:11
